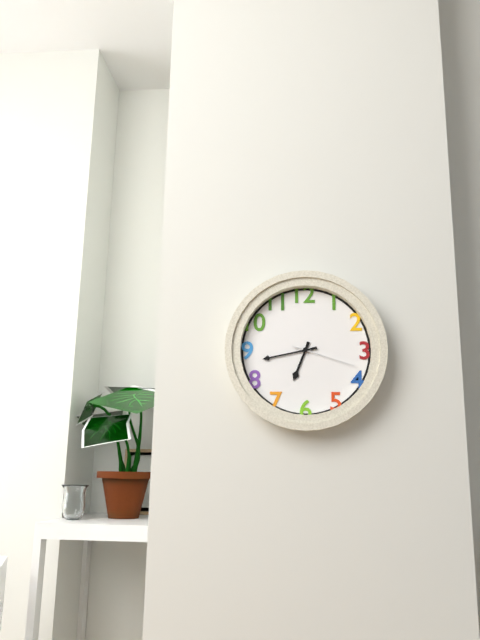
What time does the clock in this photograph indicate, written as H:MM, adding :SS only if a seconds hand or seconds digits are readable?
6:43:18
